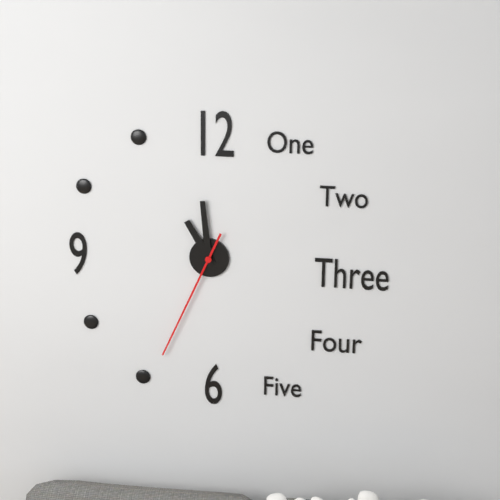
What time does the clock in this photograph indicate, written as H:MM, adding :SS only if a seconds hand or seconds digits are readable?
10:59:34
